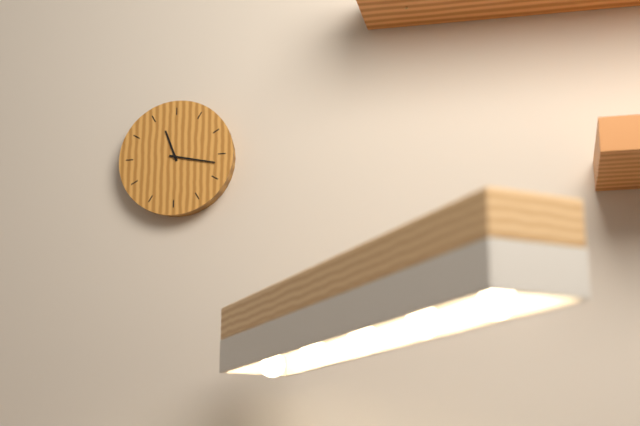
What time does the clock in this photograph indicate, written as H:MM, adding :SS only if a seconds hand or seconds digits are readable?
11:17
